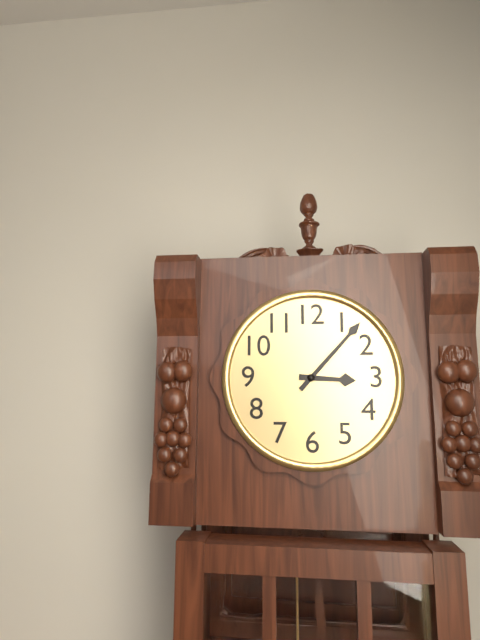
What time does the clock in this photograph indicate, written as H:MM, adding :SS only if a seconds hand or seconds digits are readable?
3:07
